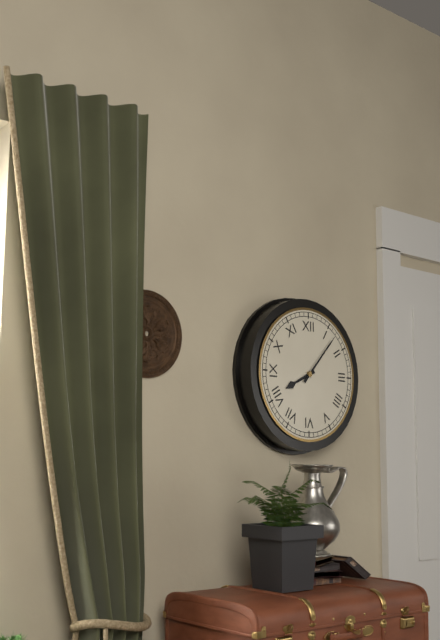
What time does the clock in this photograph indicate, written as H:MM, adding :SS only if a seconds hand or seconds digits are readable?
8:07
